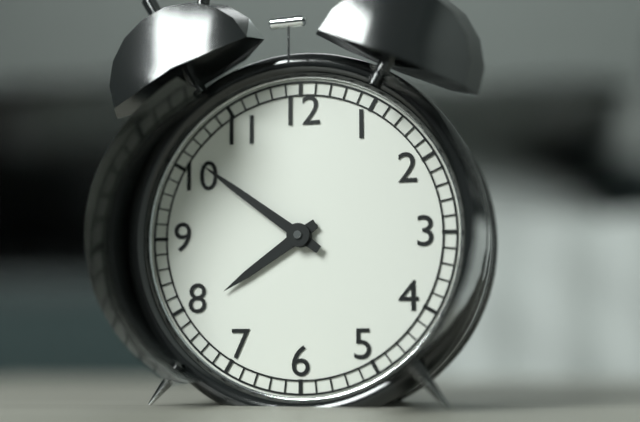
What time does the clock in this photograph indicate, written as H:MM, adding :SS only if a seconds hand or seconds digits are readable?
7:51
